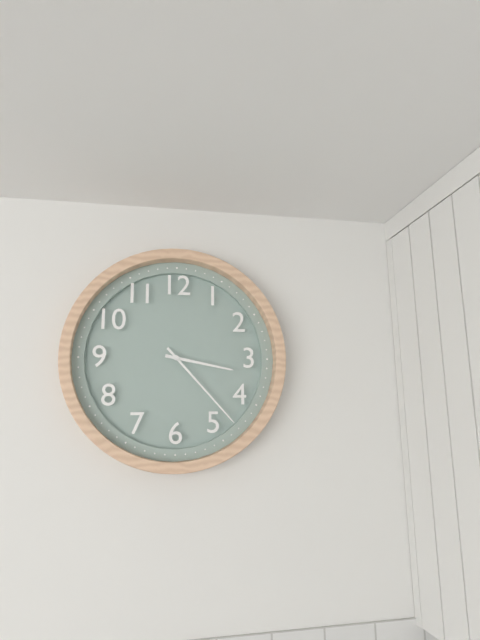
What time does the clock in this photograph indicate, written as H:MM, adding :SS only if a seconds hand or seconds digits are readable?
3:23
